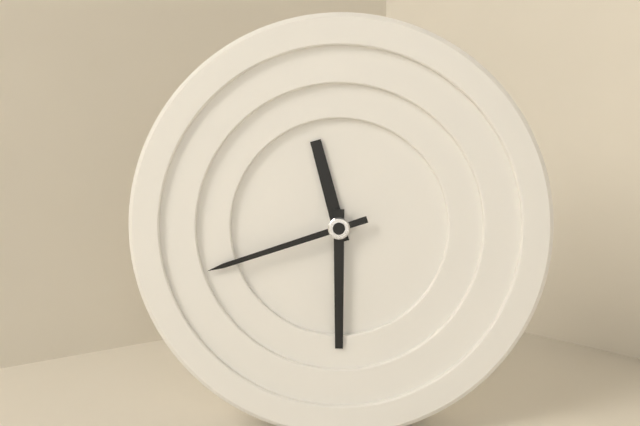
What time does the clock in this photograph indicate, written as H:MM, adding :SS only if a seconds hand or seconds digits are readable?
11:30:42
